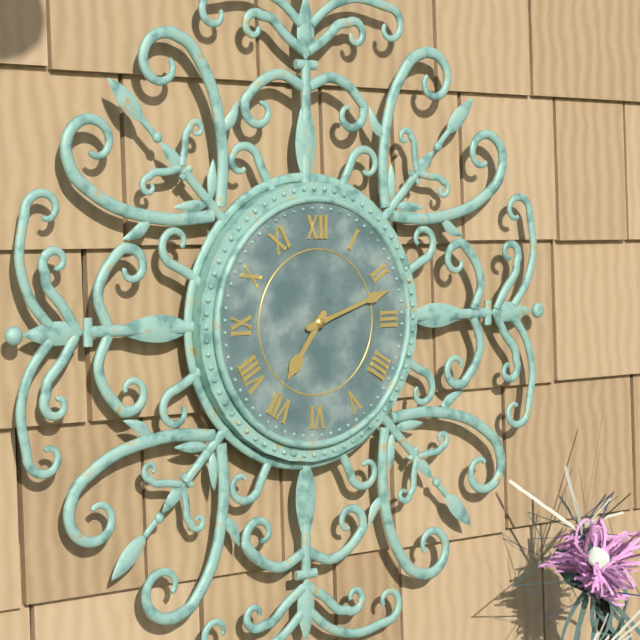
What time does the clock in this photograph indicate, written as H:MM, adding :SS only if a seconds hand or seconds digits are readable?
7:12
